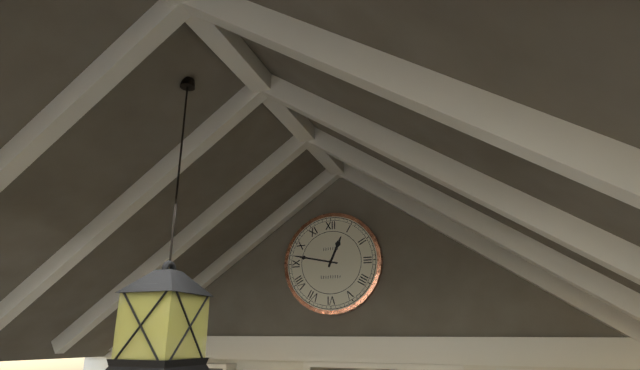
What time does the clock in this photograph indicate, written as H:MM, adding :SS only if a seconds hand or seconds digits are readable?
12:47
